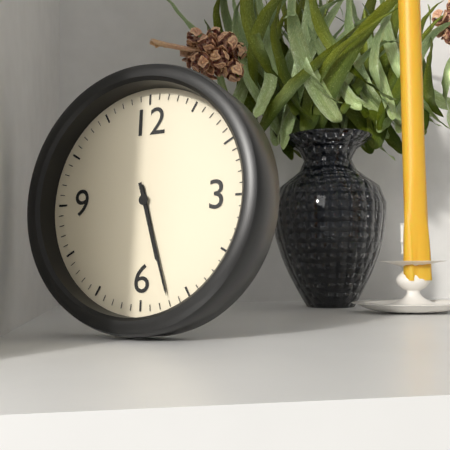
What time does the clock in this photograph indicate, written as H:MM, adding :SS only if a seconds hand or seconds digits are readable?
5:27
